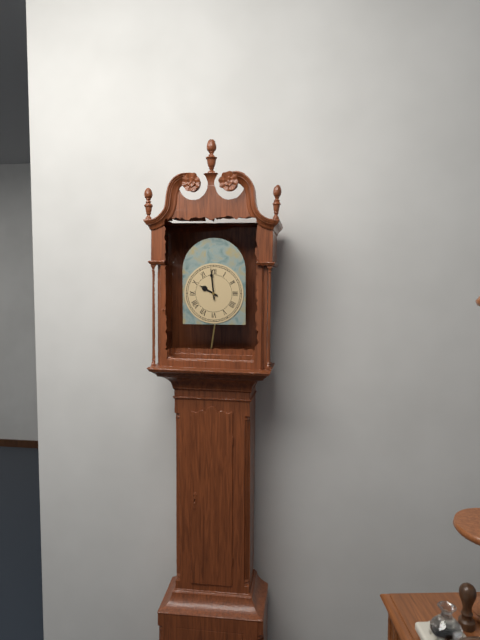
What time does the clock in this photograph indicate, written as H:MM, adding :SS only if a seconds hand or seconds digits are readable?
9:59
